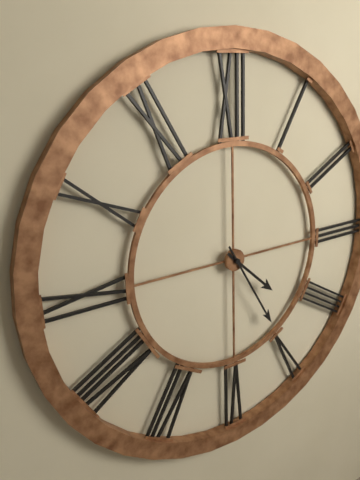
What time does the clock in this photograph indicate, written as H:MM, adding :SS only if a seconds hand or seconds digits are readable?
4:25
